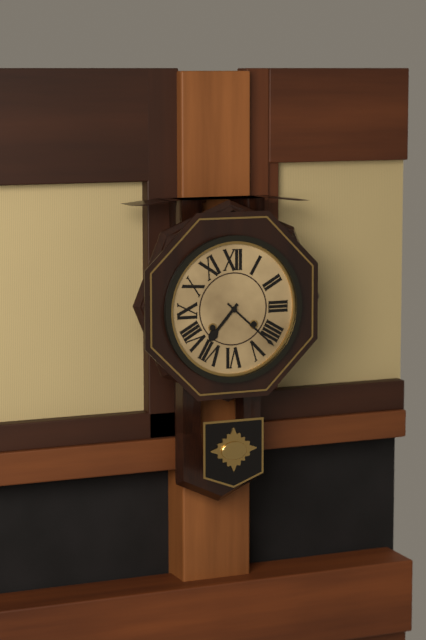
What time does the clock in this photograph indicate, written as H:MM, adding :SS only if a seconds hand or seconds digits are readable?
7:22
